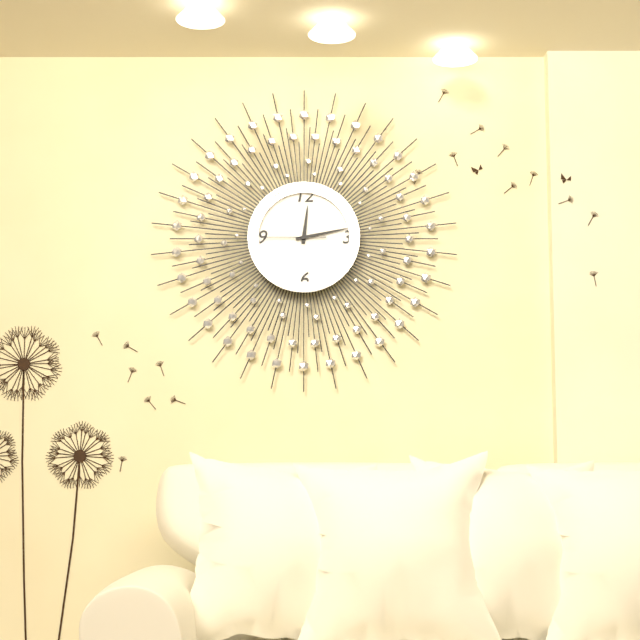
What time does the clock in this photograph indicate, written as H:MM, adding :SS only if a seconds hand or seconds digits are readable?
12:13:45
